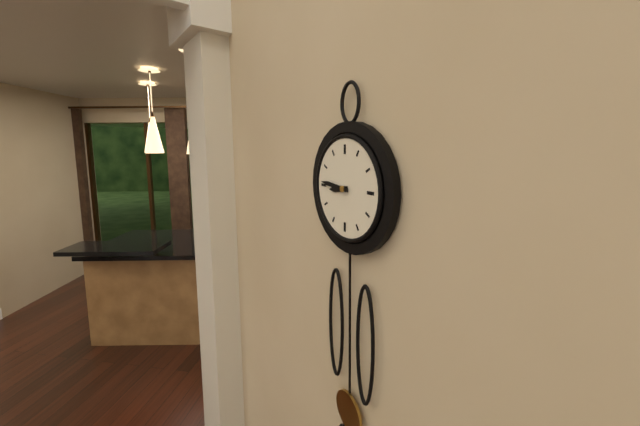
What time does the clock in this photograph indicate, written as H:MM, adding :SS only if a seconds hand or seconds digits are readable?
8:46
